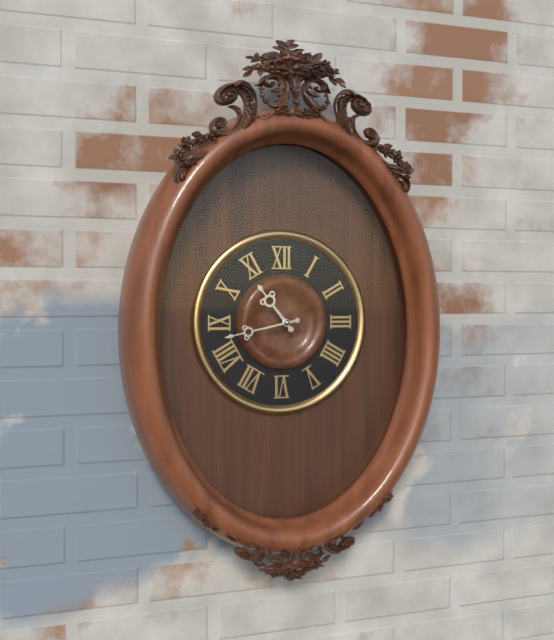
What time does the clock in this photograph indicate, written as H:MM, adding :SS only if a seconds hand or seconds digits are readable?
10:43
